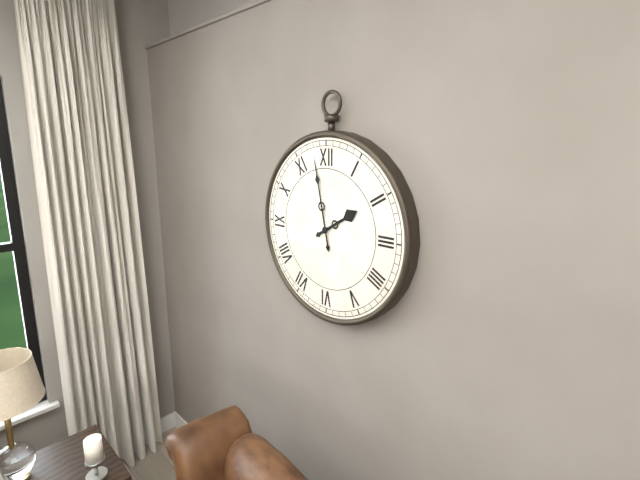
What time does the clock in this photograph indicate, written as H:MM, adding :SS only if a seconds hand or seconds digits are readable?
1:58
